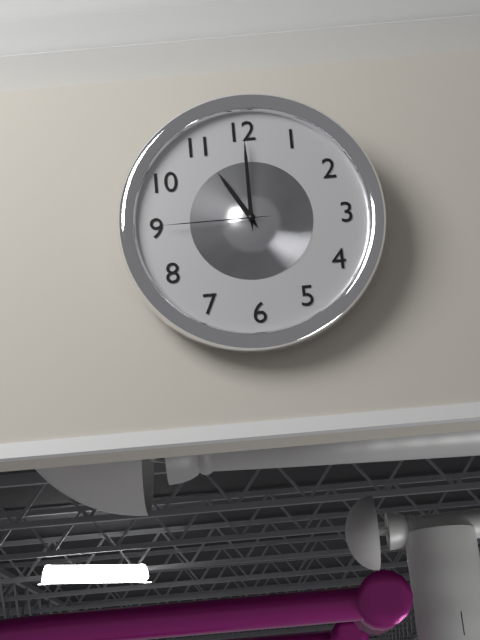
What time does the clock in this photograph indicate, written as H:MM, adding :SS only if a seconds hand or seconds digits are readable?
11:00:45
